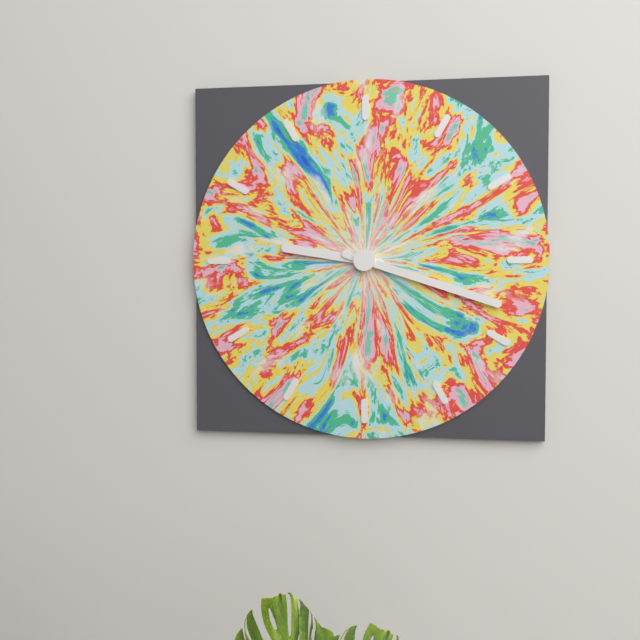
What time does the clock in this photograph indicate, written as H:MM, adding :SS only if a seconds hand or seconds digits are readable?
9:18
